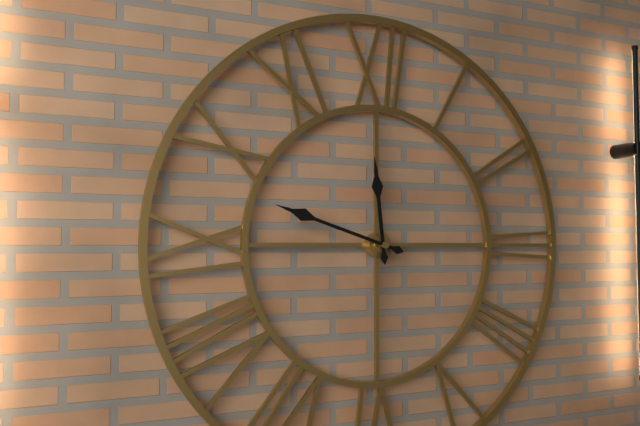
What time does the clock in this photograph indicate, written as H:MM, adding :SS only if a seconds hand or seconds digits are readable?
11:48
